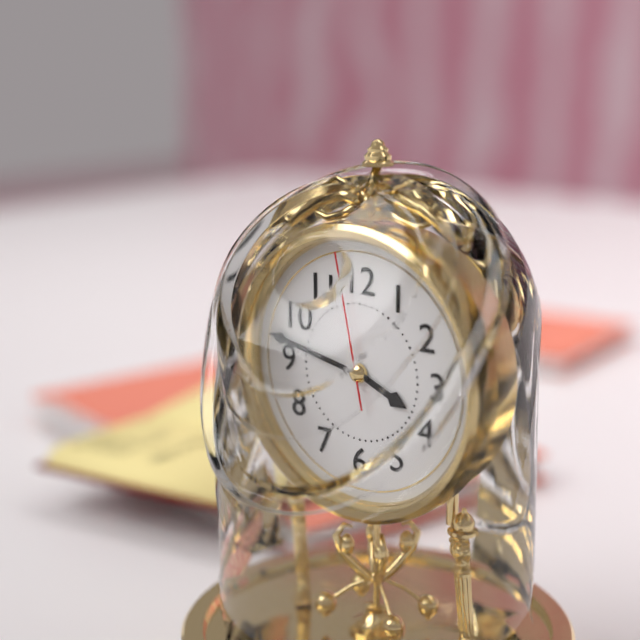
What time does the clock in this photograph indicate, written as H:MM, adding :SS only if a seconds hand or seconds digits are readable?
3:47:58
